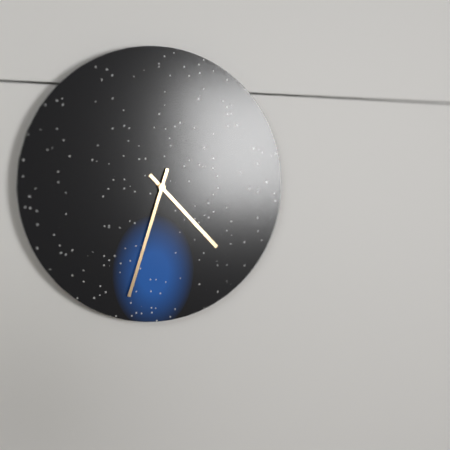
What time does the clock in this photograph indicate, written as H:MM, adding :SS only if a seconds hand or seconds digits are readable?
4:33
